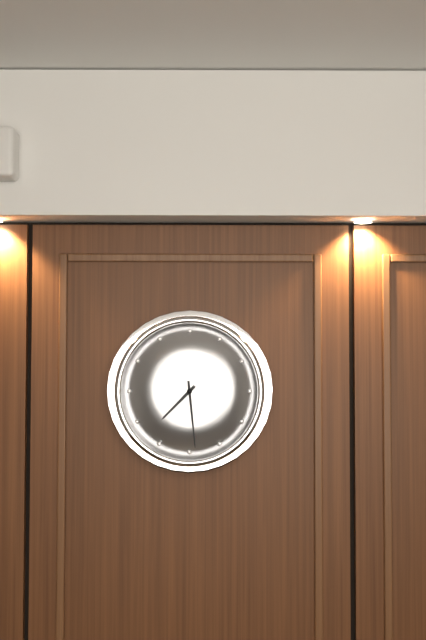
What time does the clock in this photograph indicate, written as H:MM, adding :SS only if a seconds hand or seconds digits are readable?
7:29
